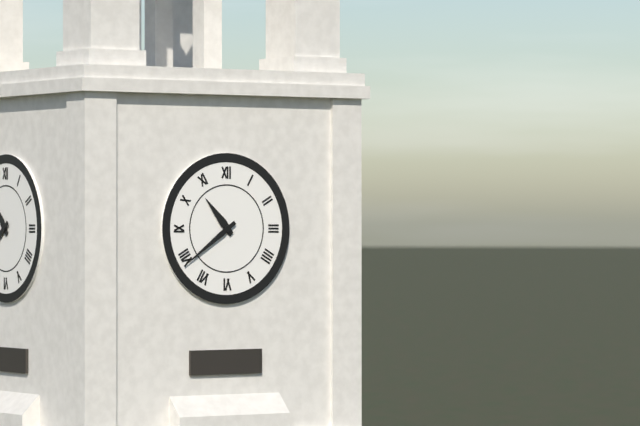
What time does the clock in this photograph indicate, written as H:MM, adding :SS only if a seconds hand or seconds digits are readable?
10:39
